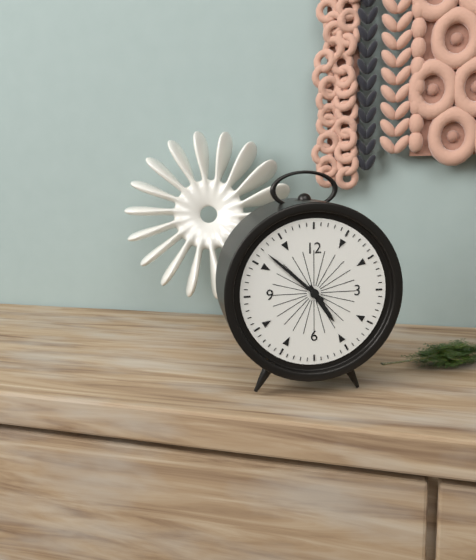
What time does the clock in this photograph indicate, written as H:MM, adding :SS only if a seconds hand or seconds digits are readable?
4:52
